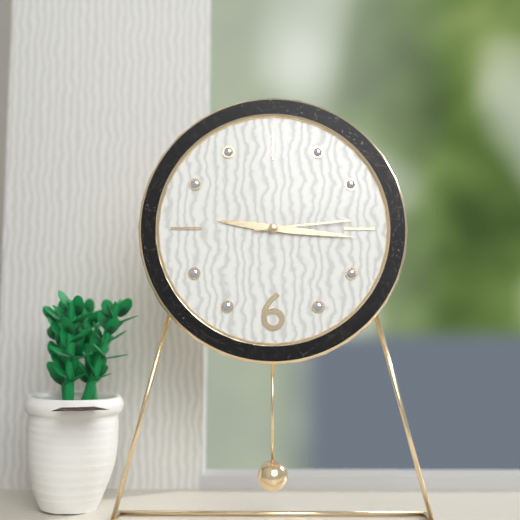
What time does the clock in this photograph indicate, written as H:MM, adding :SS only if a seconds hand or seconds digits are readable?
9:16:14
